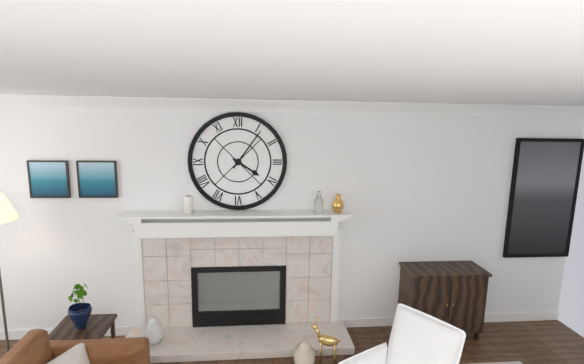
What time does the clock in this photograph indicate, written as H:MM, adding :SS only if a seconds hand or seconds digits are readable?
4:06
